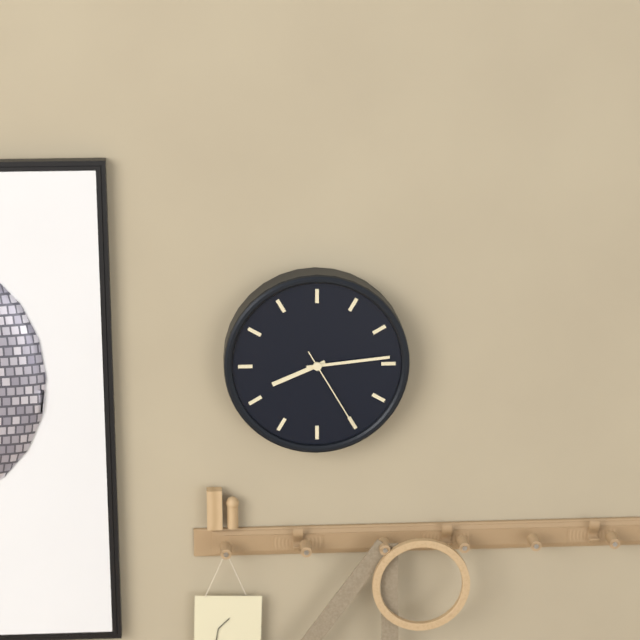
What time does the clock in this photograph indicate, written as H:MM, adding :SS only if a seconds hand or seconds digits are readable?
8:14:25
